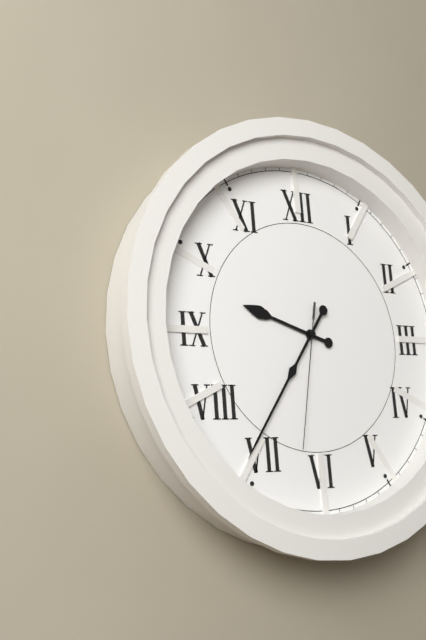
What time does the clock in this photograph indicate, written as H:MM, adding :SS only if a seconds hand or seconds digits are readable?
9:36:32
